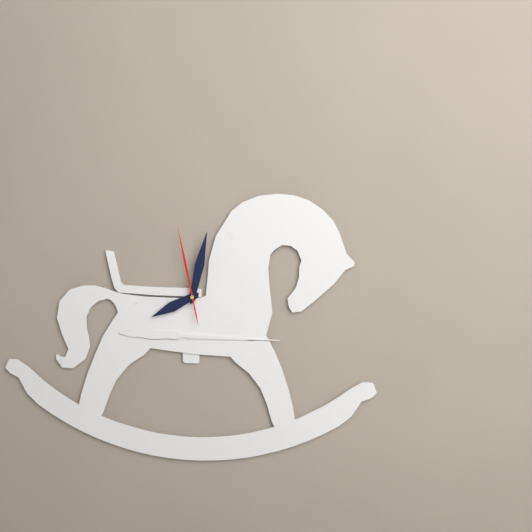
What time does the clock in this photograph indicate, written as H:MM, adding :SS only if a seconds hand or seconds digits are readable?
8:02:58
